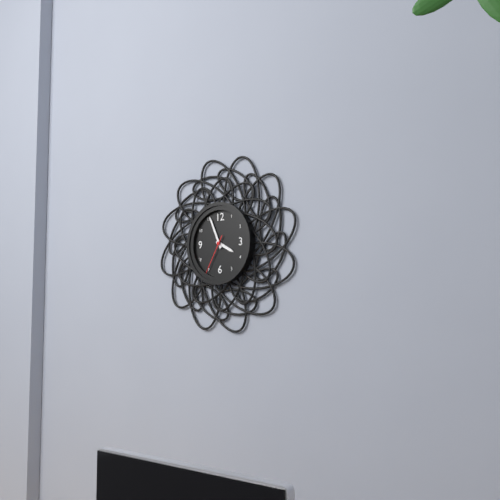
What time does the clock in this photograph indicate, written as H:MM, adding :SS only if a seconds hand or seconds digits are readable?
3:56
